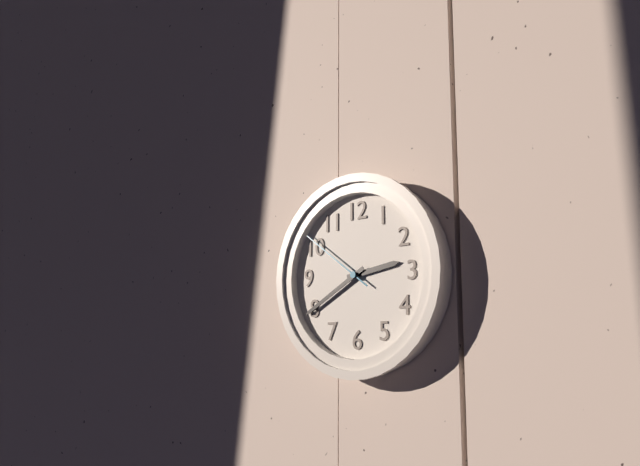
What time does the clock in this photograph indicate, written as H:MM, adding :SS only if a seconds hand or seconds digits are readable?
2:40:51
